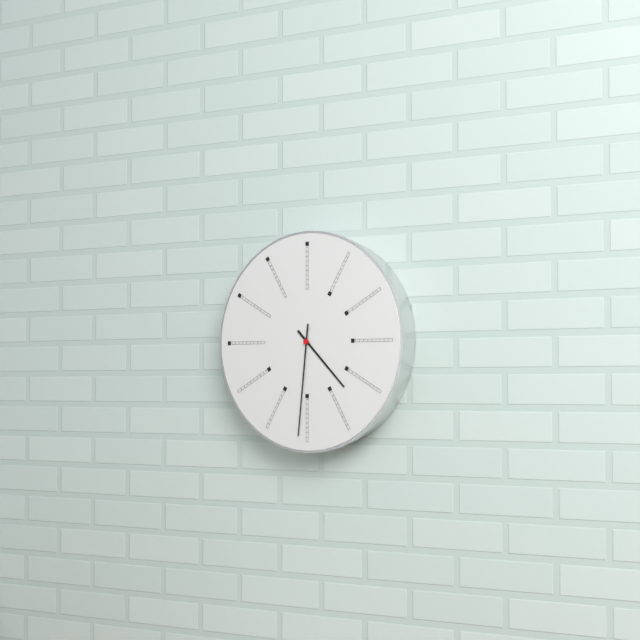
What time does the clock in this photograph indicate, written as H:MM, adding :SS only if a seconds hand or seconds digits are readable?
4:31
